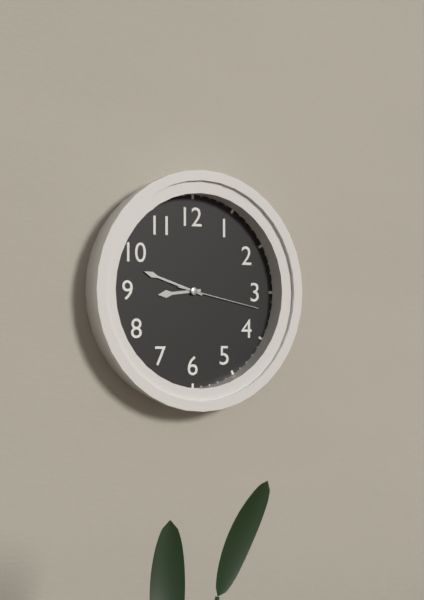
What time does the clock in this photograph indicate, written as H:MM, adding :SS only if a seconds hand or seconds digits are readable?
8:48:17
